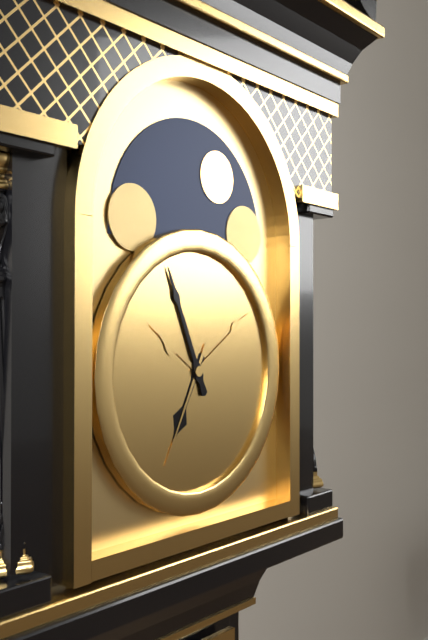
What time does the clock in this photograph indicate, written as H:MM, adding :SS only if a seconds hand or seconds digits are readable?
6:56
